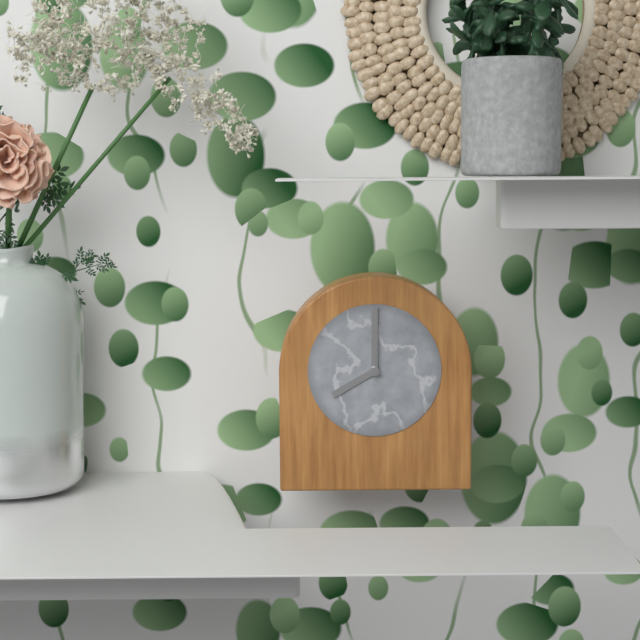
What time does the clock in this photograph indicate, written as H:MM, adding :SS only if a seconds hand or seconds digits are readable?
8:00
